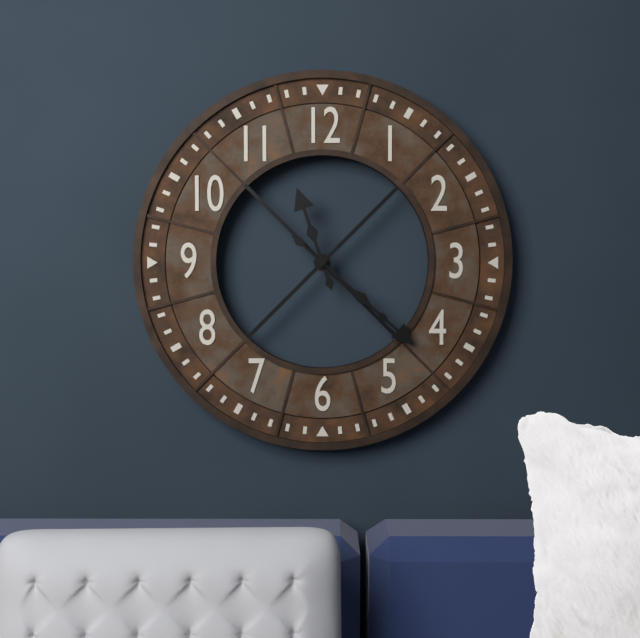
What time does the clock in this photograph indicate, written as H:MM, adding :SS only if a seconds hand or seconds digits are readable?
11:22
